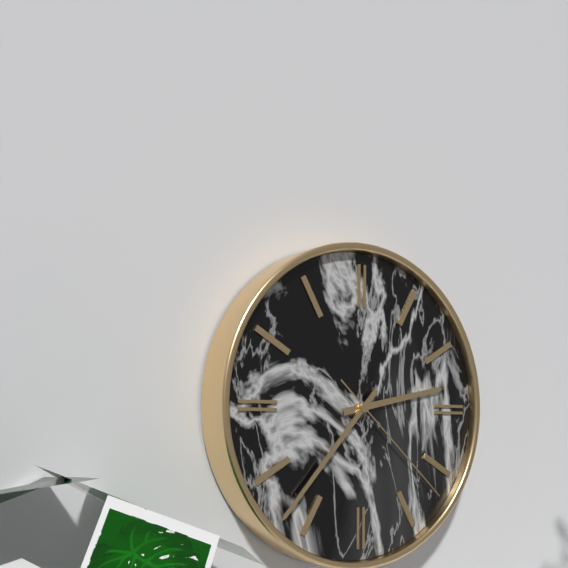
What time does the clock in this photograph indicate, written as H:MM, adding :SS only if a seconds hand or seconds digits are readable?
2:37:22
